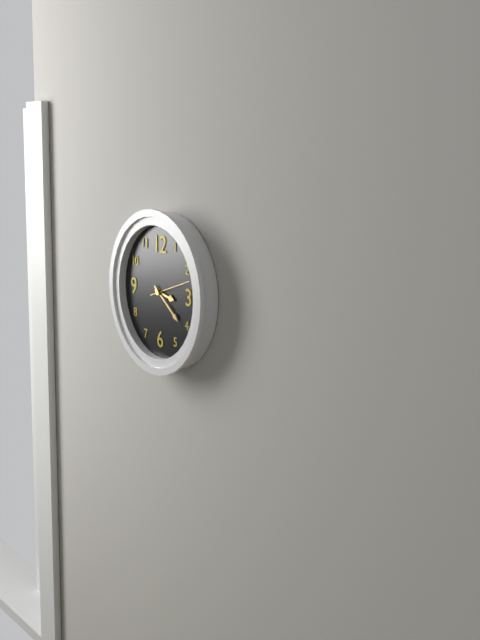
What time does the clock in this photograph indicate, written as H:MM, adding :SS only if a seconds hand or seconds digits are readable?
3:21
